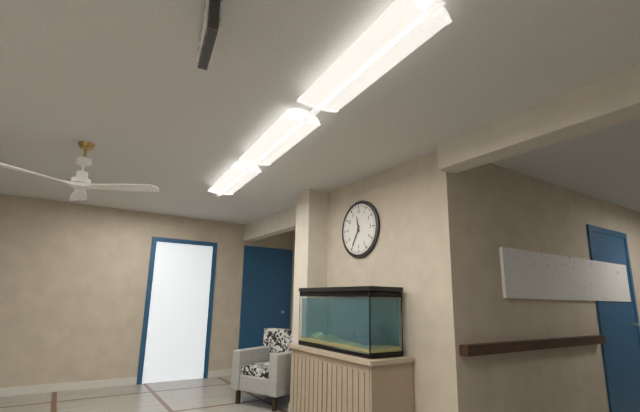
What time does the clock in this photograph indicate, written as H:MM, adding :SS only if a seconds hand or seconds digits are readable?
11:35
